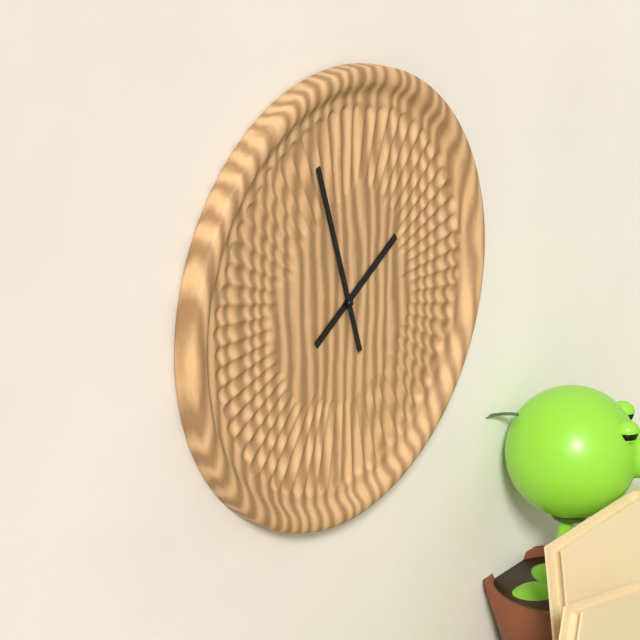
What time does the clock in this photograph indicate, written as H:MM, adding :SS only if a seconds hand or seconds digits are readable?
1:57
